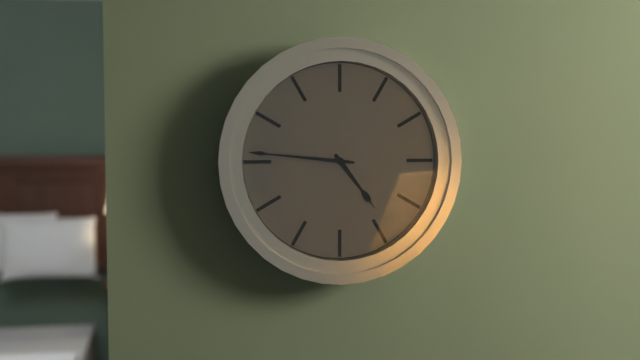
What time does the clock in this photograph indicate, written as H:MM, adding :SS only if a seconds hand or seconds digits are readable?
4:46
